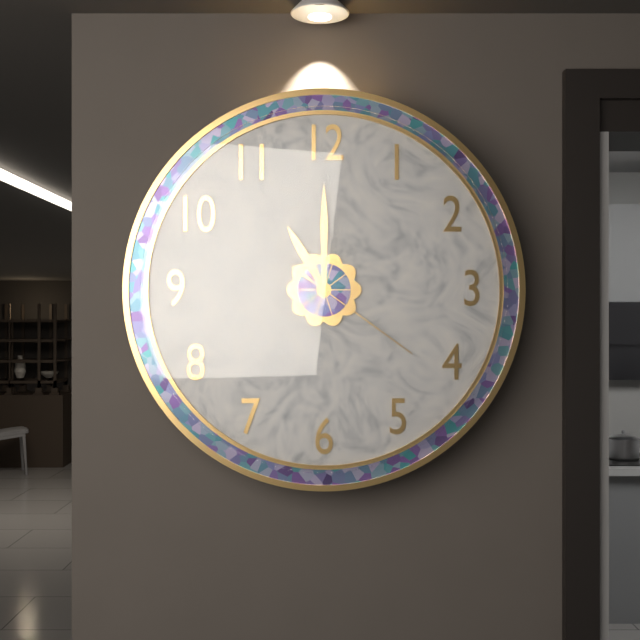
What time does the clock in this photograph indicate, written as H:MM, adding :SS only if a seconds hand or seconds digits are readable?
11:00:21
